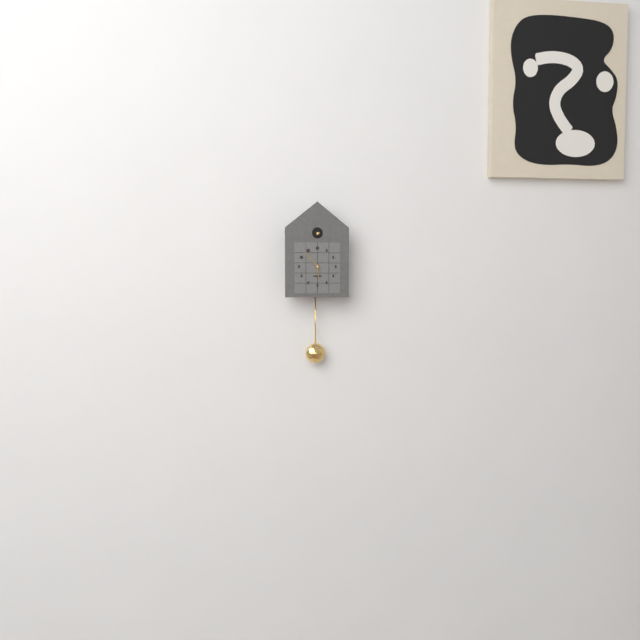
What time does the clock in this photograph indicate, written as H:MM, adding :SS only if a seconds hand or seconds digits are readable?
5:53
